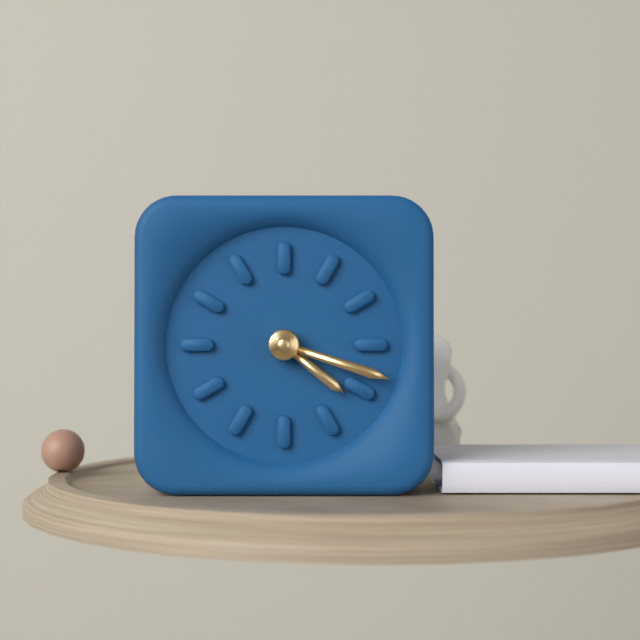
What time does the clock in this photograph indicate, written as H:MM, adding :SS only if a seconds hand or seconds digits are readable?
4:18
